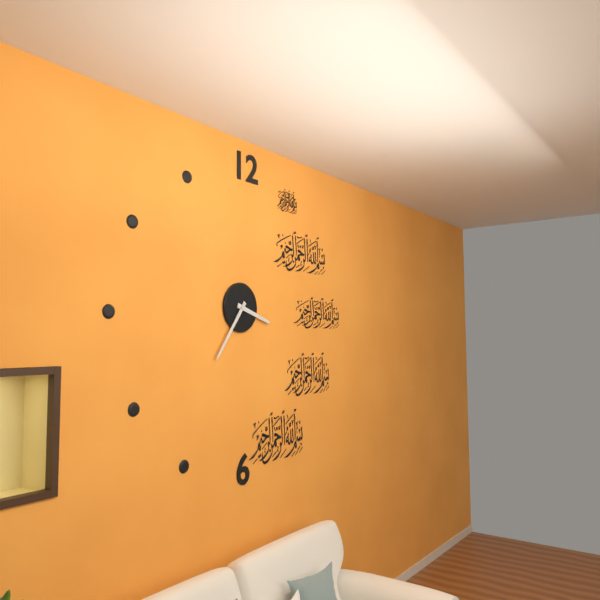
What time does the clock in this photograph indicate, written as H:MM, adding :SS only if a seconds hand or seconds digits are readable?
3:36
